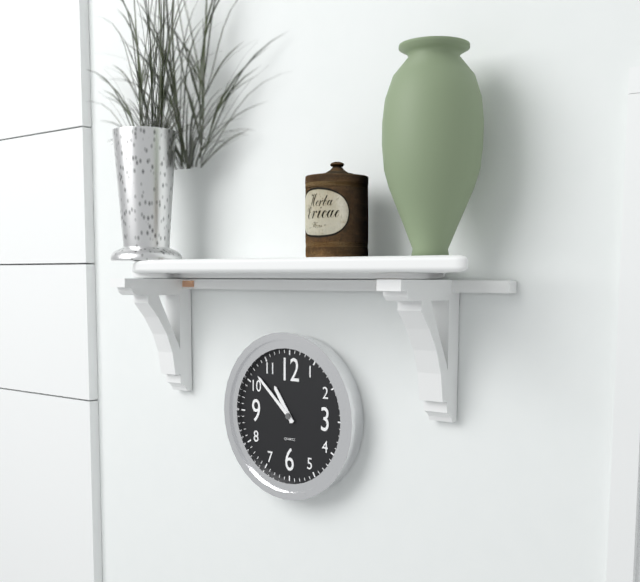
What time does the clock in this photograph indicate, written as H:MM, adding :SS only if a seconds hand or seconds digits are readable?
10:52
